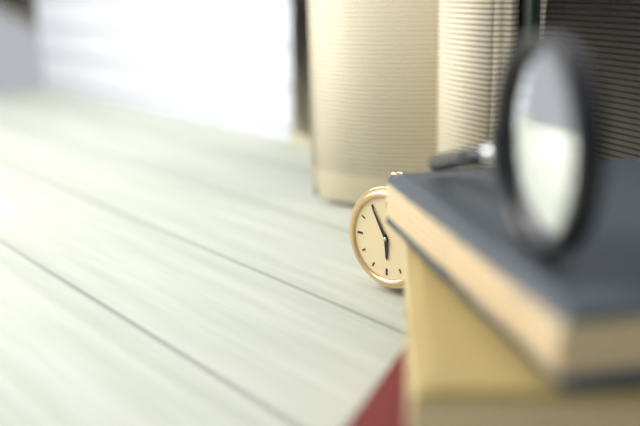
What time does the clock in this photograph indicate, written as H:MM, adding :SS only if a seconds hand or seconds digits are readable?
5:55
